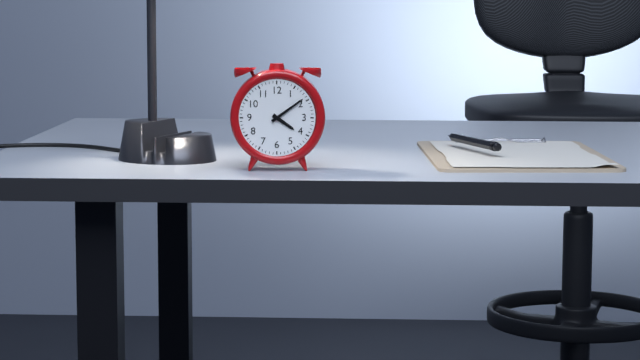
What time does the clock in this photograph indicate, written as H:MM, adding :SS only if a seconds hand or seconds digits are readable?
4:09
